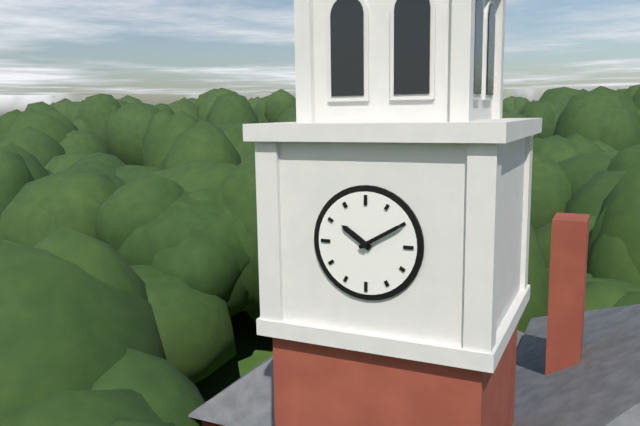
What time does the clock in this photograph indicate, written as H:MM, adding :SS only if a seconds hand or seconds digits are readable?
10:10
